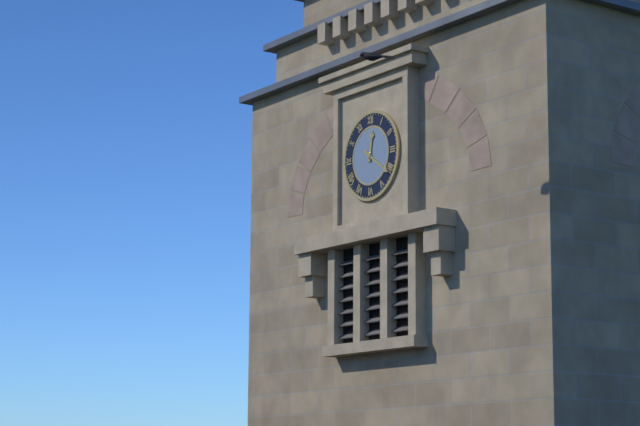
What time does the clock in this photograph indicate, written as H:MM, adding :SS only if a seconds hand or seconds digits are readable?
12:21
